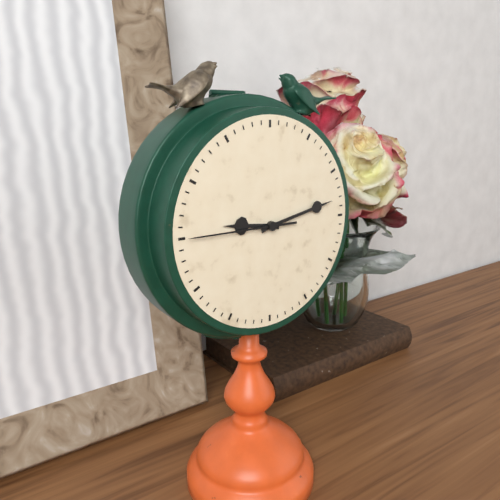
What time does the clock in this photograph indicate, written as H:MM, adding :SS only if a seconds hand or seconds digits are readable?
9:13:45
